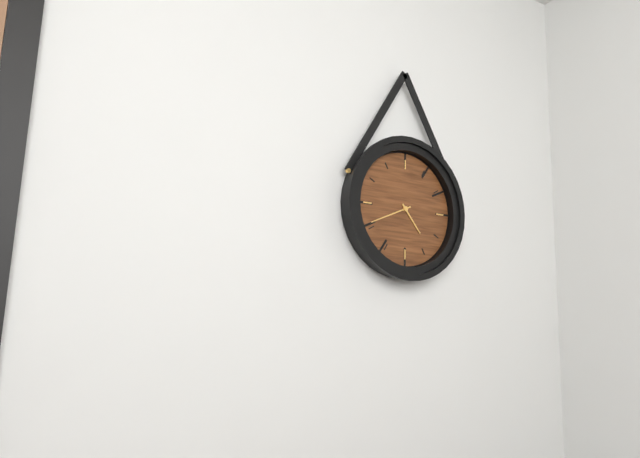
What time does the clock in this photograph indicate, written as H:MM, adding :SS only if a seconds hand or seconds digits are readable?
4:41
